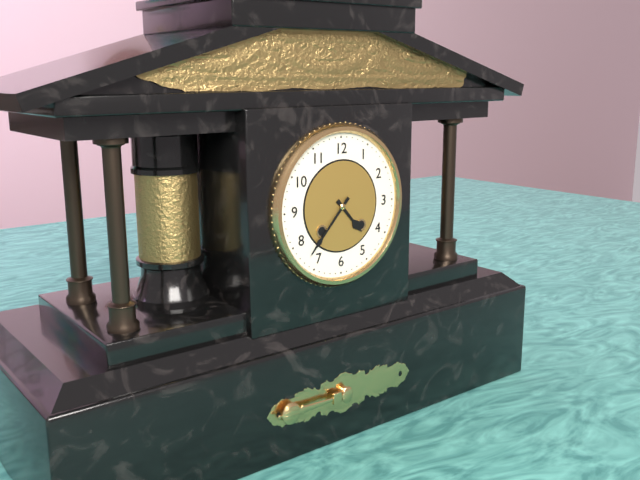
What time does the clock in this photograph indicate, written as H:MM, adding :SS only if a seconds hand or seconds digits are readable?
4:37
